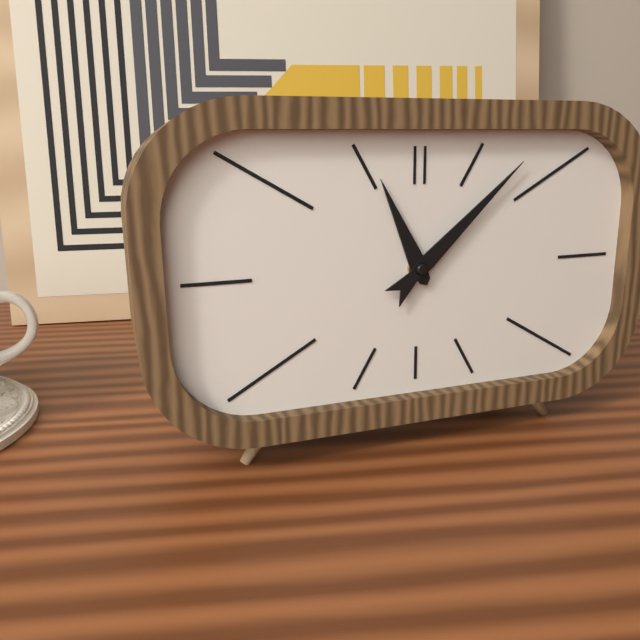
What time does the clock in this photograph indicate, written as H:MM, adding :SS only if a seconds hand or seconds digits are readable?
11:08
